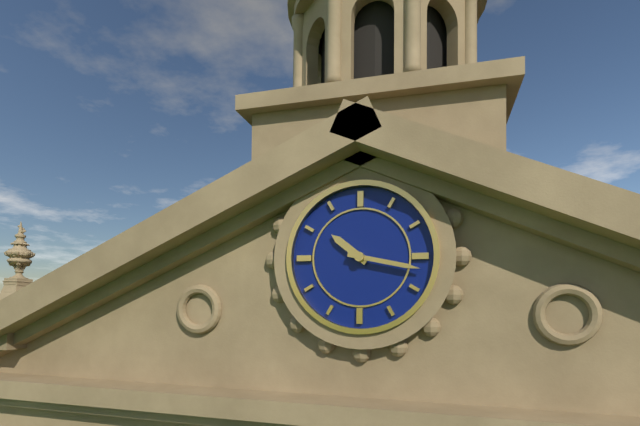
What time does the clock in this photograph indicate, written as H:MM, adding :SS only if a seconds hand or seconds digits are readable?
10:17
